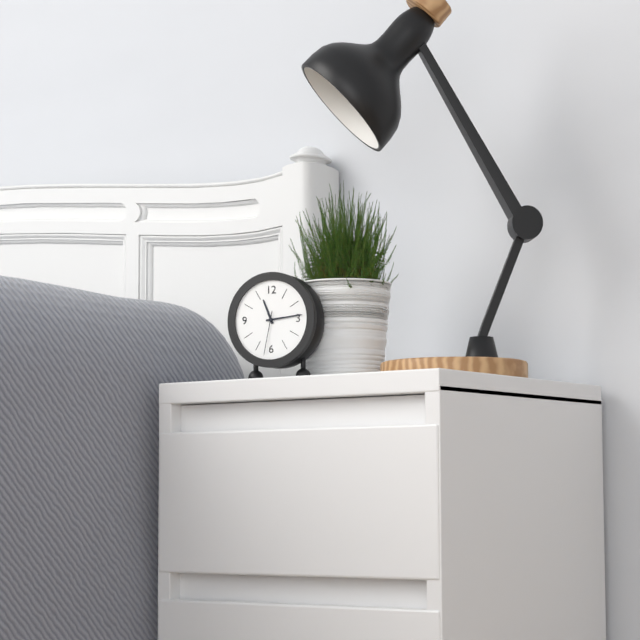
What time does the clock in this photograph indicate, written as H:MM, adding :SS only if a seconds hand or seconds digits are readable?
11:14
